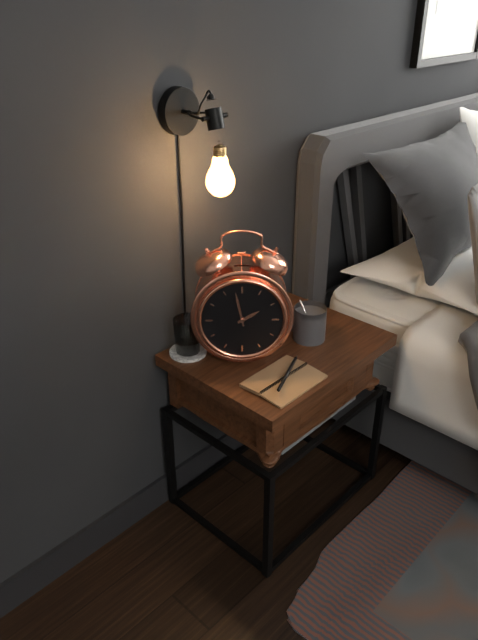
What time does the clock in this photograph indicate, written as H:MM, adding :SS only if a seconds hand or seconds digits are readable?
1:58
